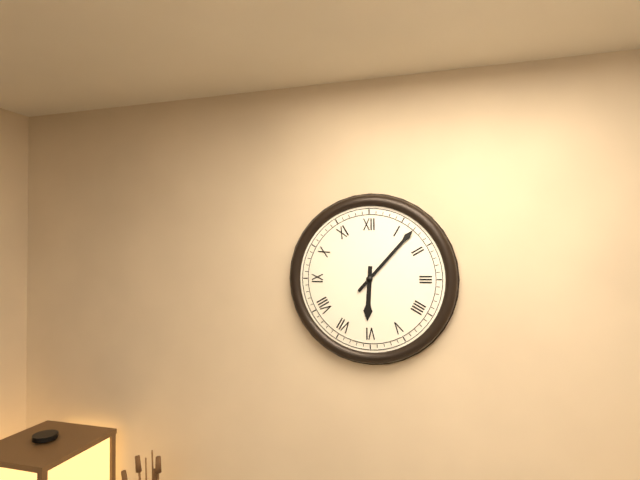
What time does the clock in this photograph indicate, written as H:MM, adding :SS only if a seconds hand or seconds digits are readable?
6:07
